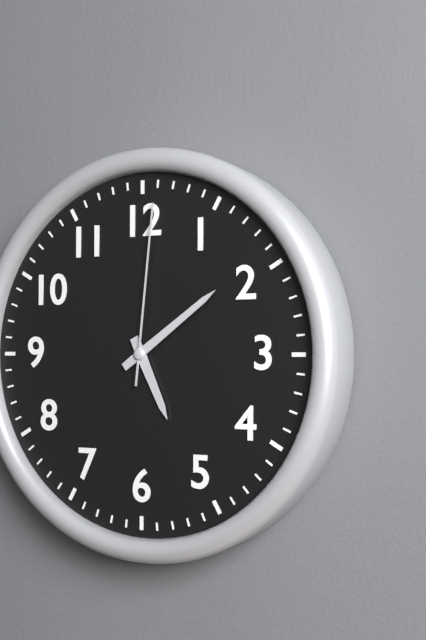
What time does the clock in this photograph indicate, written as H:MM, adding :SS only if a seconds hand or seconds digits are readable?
5:09:01
